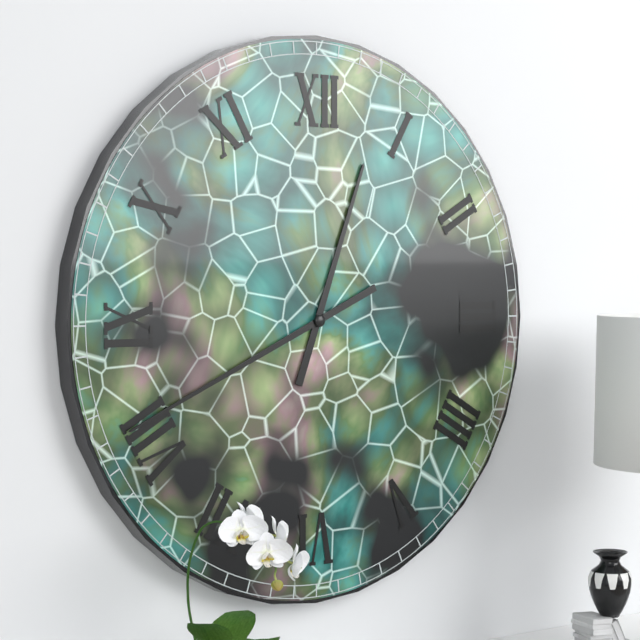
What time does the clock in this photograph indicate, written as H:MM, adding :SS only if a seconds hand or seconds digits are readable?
12:41
